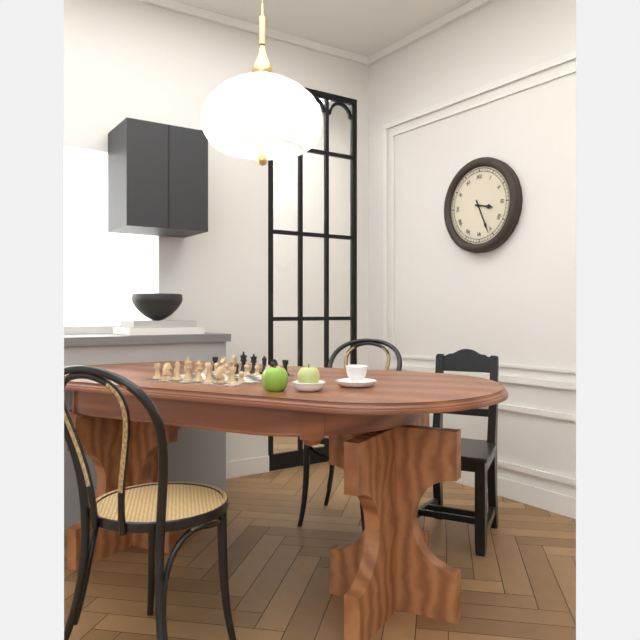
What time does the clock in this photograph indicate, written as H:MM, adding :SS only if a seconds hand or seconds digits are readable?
3:26
